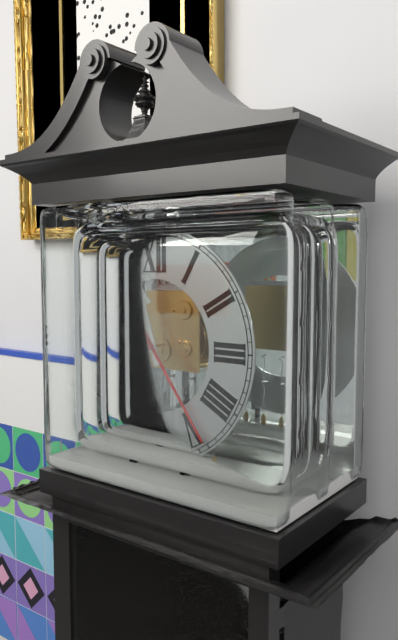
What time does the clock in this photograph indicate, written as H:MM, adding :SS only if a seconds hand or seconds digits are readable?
11:24
